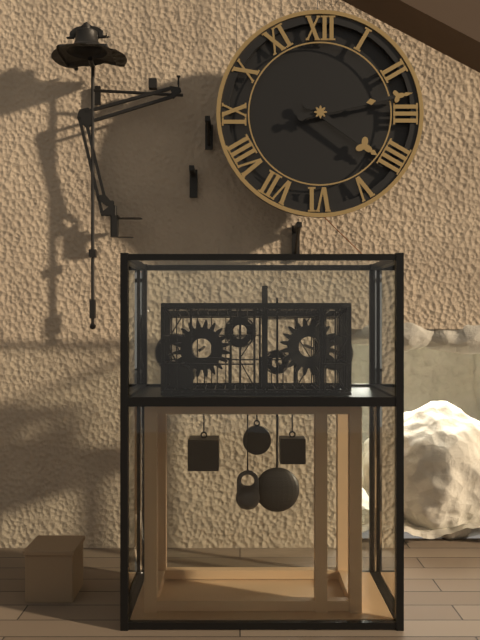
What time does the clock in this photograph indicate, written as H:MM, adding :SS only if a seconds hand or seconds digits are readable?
4:13
